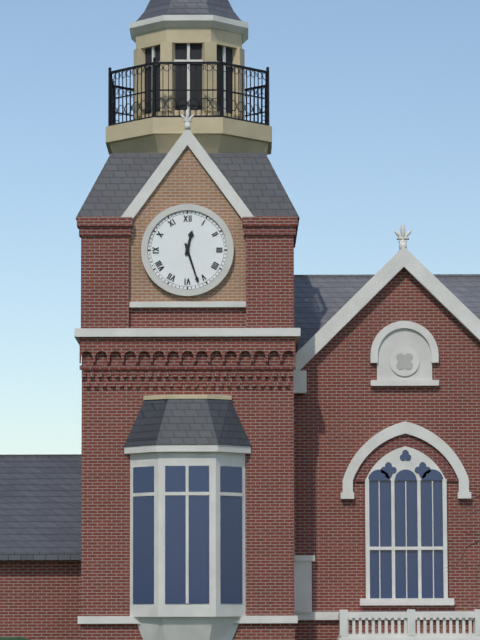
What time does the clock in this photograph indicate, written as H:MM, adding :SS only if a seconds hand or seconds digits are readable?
12:27
